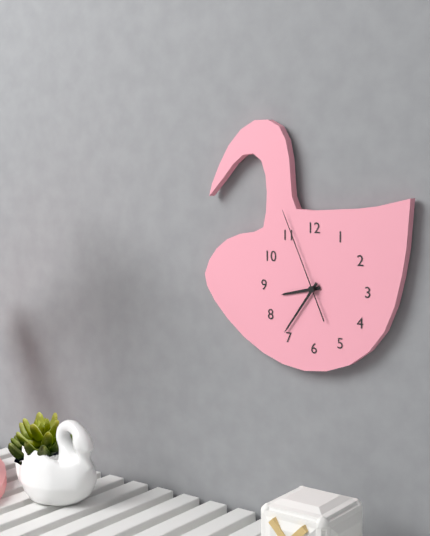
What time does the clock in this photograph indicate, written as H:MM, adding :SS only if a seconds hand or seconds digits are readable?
8:36:56
